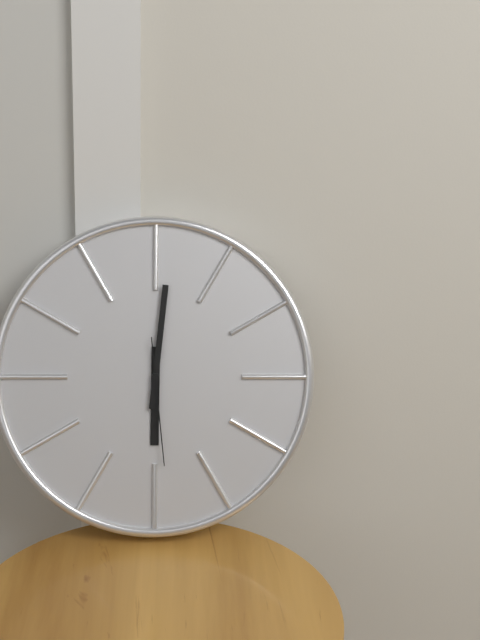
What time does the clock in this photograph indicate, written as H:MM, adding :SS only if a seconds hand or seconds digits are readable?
6:01:29
